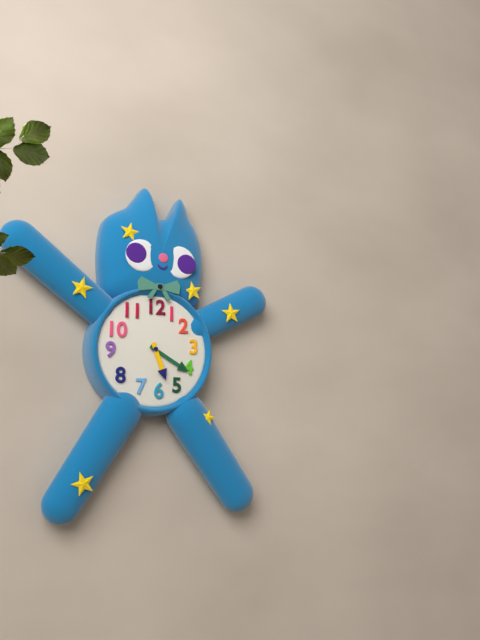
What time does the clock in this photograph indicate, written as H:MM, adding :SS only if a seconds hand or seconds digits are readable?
5:20
